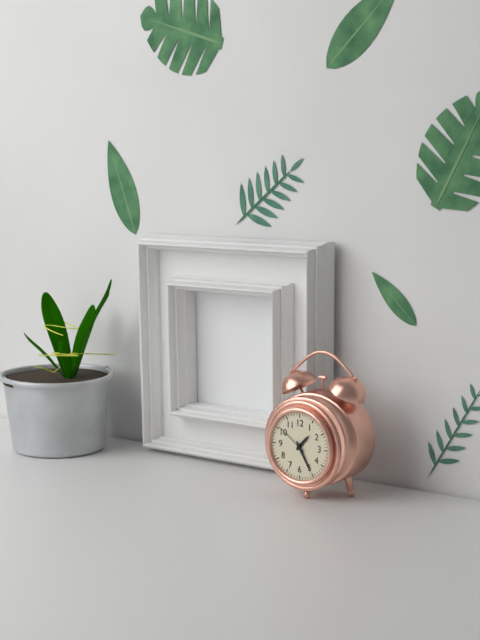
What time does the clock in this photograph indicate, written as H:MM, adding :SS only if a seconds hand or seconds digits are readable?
1:25
